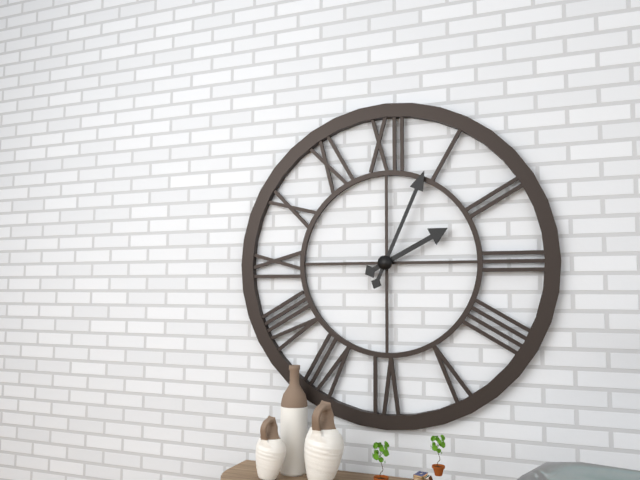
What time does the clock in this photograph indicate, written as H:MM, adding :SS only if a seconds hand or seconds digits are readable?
2:04
